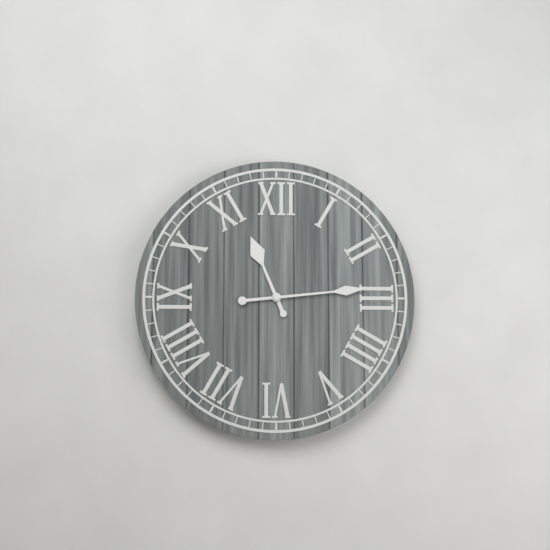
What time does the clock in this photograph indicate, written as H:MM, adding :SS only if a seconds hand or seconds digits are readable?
11:14
